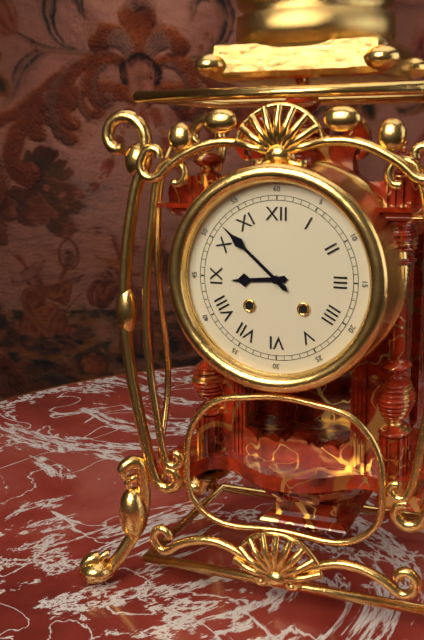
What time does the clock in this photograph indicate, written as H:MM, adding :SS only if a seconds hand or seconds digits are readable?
8:52
